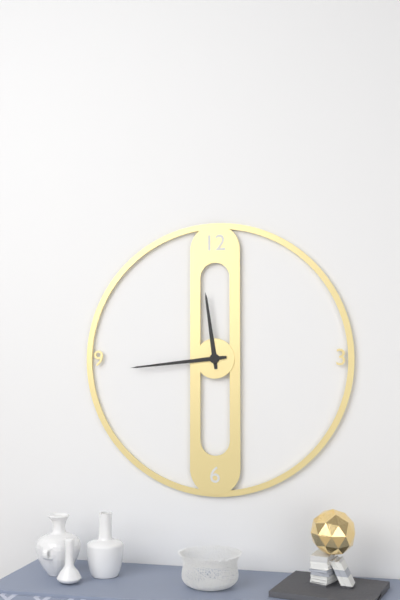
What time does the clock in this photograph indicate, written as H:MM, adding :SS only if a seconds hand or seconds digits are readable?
11:44
